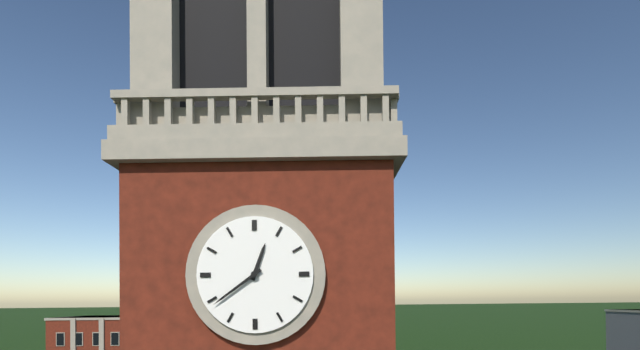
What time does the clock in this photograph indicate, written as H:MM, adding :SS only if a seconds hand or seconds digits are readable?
12:39
